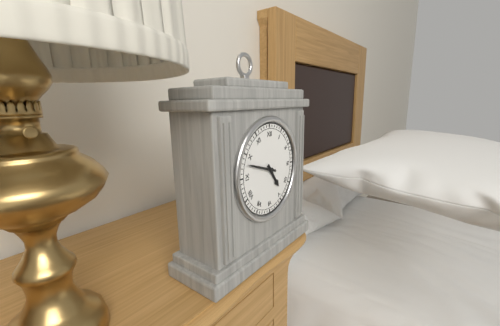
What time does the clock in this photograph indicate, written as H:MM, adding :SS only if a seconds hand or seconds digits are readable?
4:48
